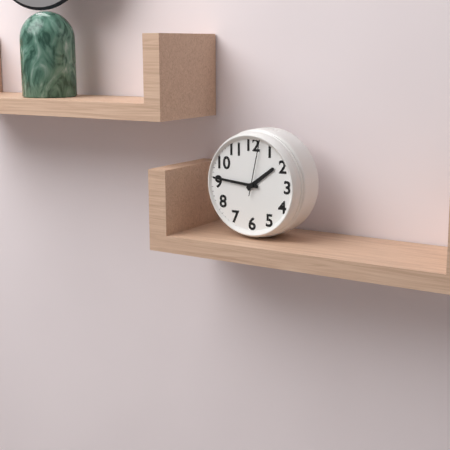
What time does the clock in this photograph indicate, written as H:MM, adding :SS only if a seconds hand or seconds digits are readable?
1:46:02
